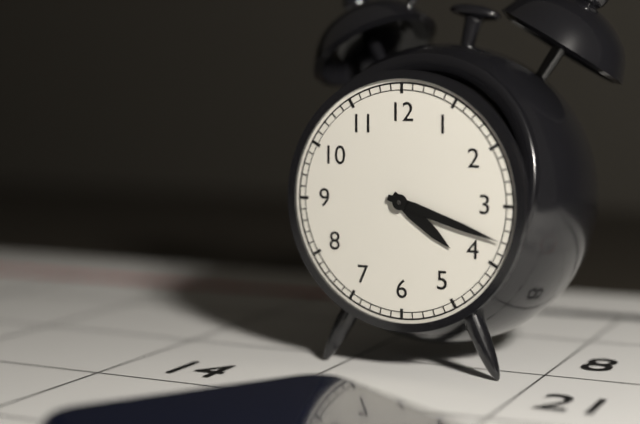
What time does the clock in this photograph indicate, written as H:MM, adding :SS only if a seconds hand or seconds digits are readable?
4:18
